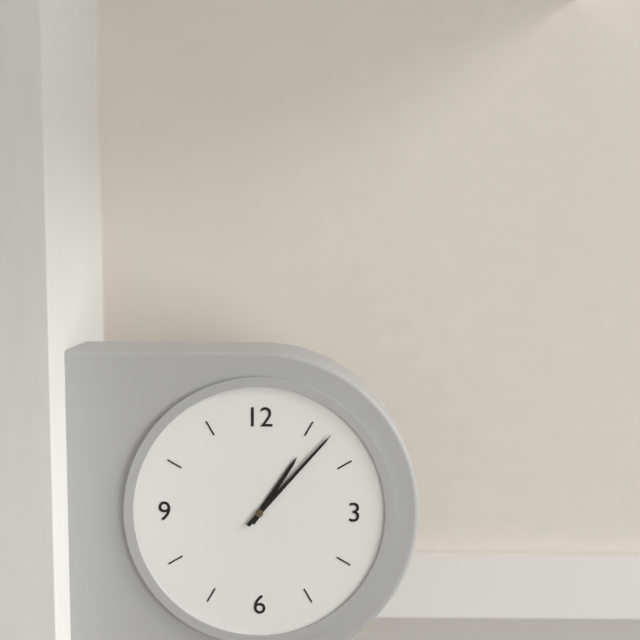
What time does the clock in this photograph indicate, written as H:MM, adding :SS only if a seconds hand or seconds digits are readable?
1:07
